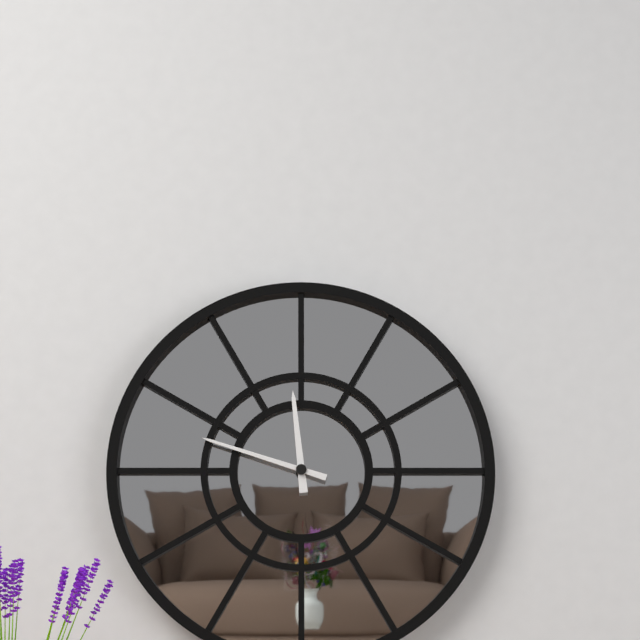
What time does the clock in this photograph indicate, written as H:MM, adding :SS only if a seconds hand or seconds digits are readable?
11:48
